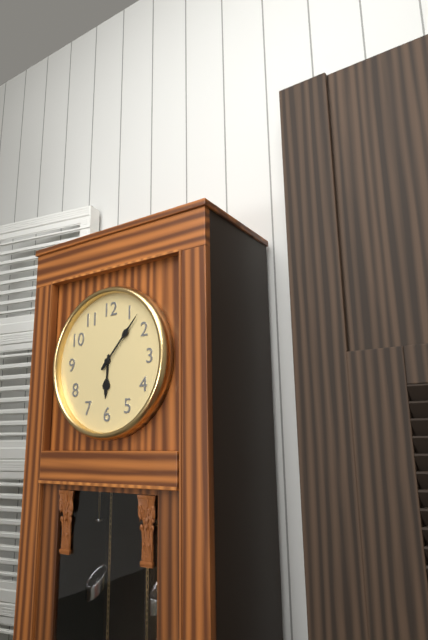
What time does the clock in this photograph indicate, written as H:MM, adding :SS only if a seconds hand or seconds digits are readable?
6:07
